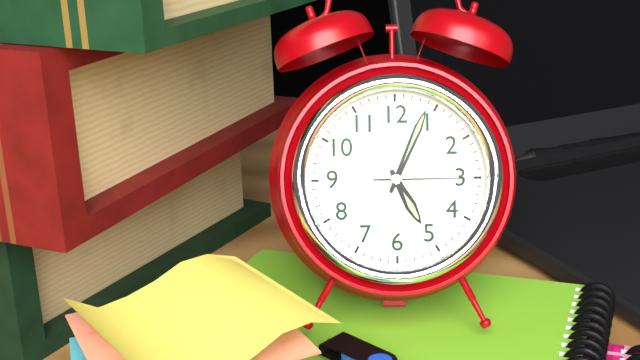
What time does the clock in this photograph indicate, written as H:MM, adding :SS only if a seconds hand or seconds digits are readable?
5:04:15
